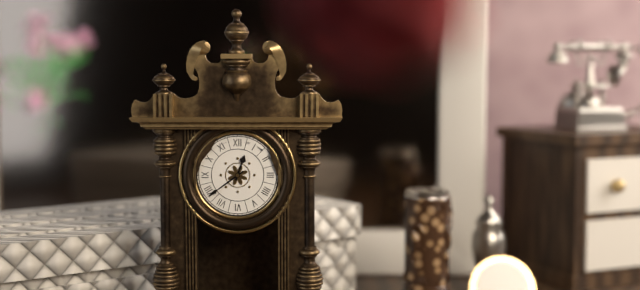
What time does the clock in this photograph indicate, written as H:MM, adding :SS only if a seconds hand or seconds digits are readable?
12:39
